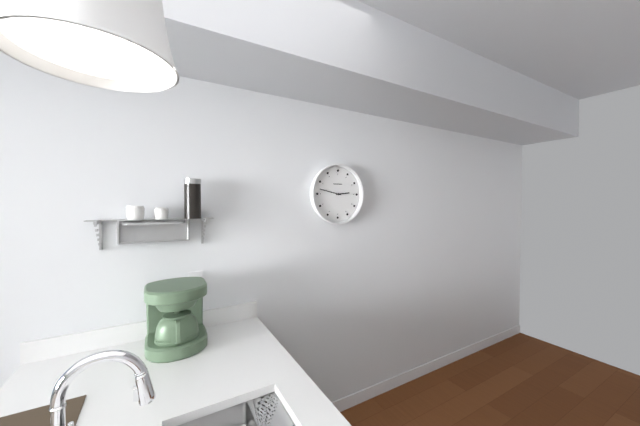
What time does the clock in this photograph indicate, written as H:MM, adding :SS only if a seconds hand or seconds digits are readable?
2:47
